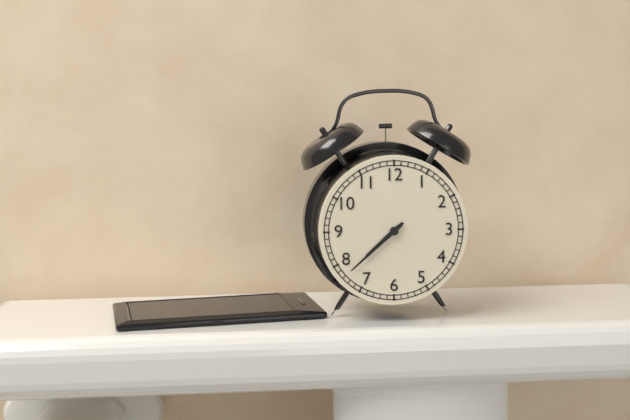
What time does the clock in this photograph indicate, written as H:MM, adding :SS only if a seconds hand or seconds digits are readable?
7:38
